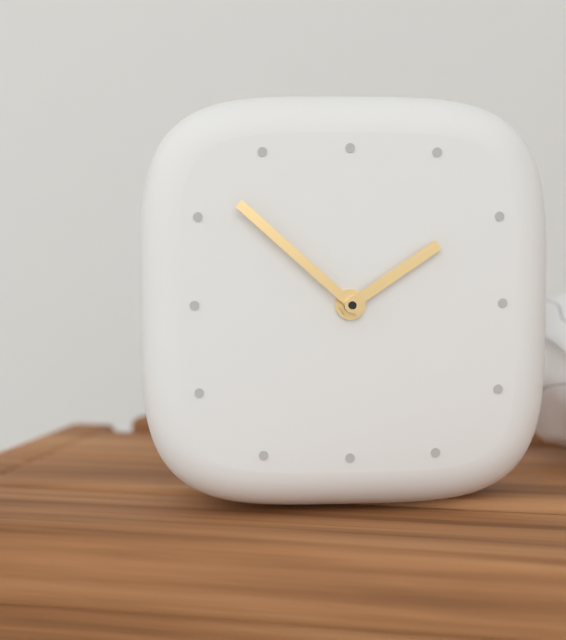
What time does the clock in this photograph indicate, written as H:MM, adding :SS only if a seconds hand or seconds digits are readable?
1:52
